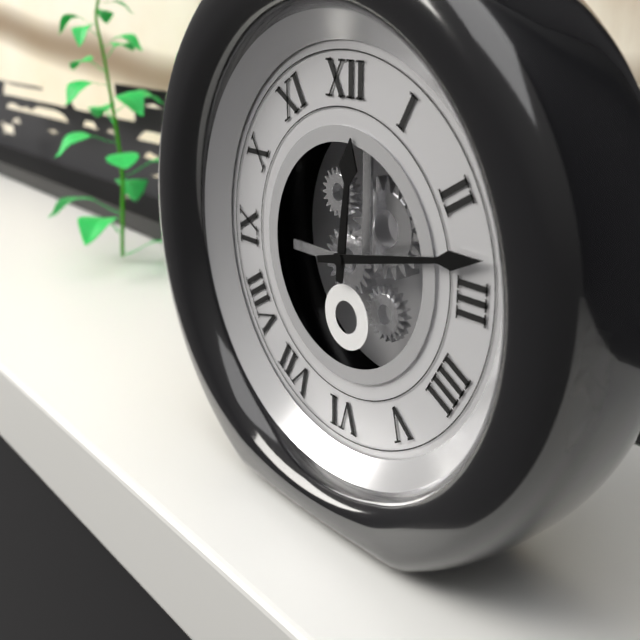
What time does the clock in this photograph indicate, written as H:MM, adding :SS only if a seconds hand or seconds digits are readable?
12:13
